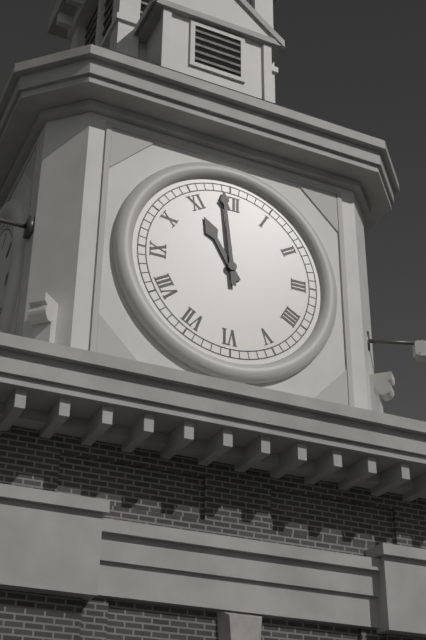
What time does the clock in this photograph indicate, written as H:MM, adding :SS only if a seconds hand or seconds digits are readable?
10:59
